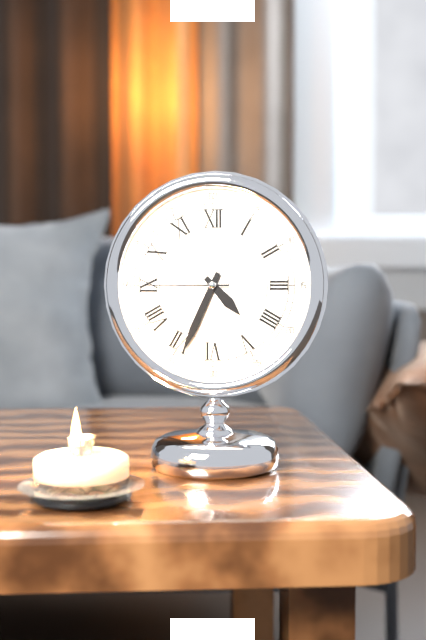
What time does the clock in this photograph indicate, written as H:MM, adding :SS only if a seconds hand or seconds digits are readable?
4:34:45
